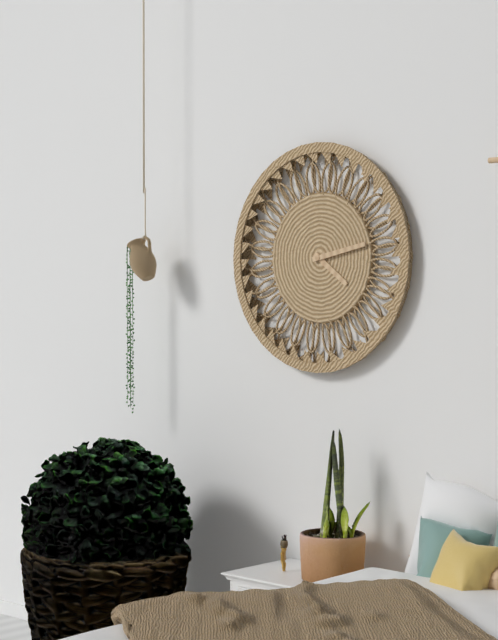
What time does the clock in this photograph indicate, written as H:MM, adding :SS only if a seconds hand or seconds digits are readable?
4:13
